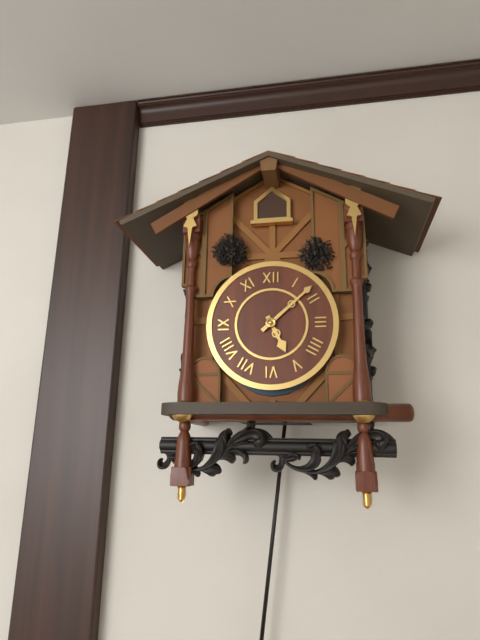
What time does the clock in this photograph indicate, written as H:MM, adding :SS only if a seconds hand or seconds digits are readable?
5:08
